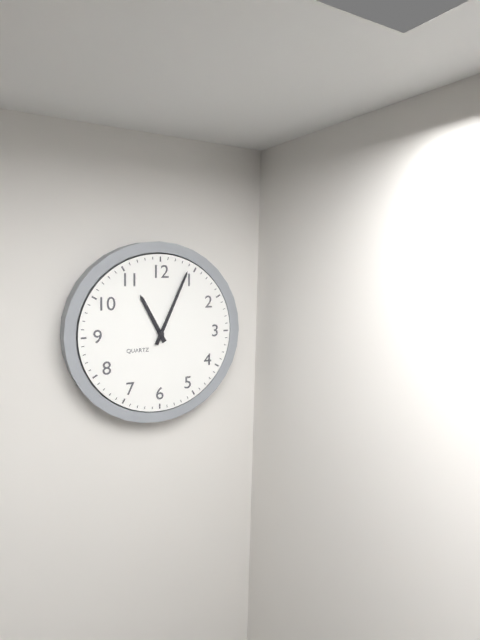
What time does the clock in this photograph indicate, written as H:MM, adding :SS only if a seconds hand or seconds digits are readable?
11:04
